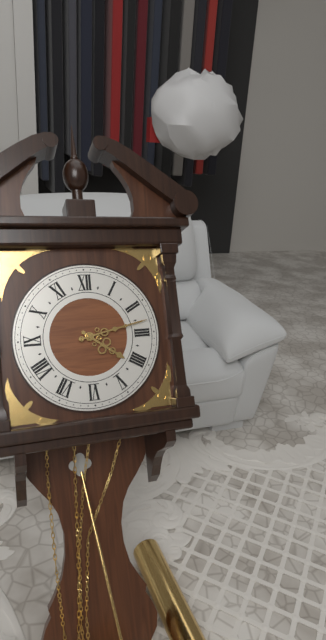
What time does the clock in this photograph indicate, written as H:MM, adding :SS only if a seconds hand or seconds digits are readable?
4:13
